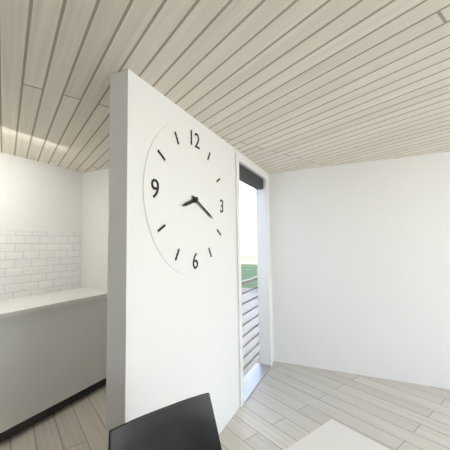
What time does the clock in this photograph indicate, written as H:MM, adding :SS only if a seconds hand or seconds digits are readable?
8:19
